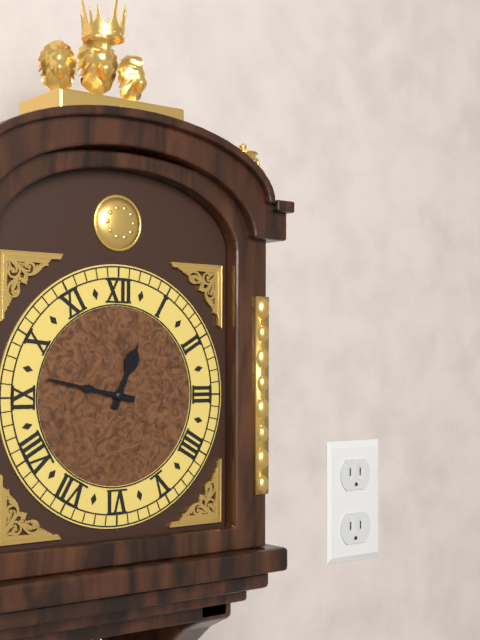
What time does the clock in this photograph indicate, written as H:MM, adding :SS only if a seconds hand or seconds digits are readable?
12:47
